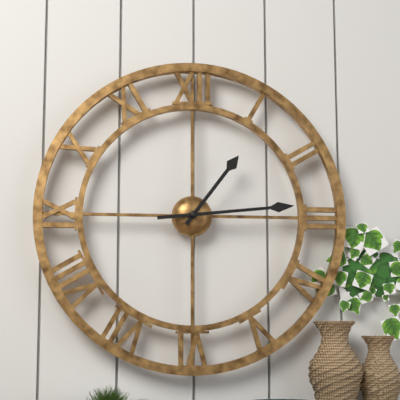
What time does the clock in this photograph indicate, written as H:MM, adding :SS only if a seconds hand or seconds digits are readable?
1:14
